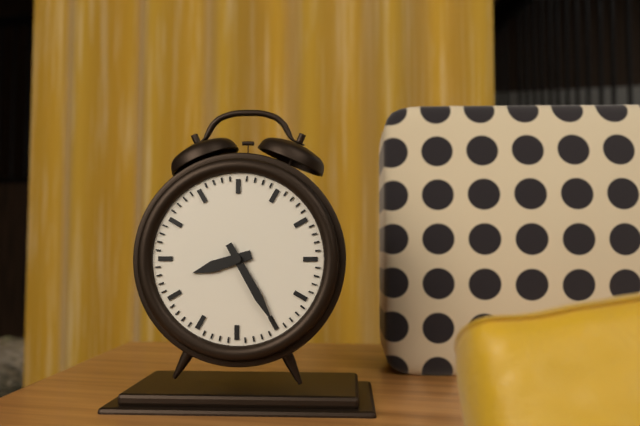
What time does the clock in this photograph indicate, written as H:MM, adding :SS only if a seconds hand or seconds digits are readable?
8:25
